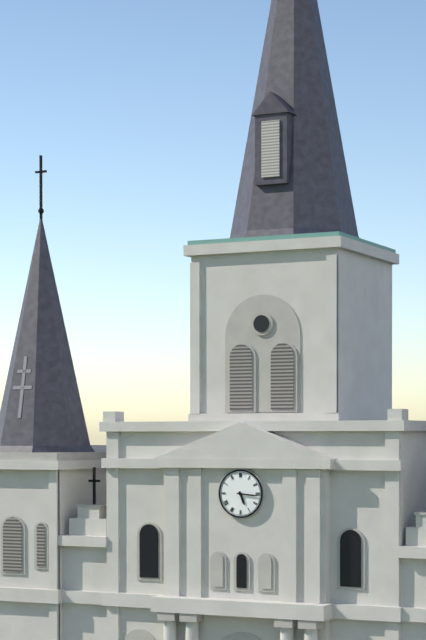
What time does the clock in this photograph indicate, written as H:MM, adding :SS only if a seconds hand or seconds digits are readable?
5:16
